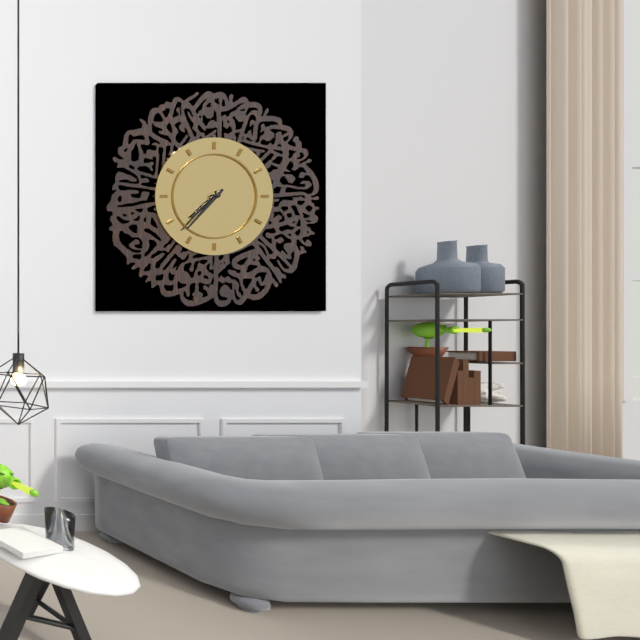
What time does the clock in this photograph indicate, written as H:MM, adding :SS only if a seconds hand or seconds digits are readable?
7:37
